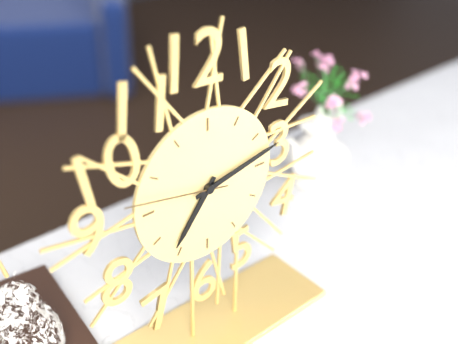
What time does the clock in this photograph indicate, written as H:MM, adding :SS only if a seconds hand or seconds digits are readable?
7:13:47
